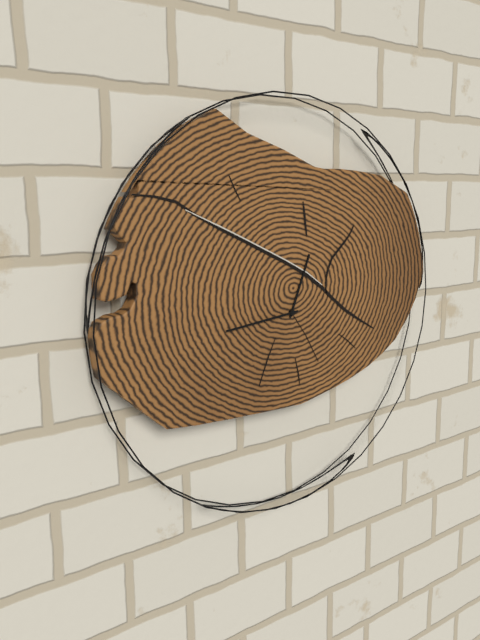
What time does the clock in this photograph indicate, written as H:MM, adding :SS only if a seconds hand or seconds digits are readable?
12:44
